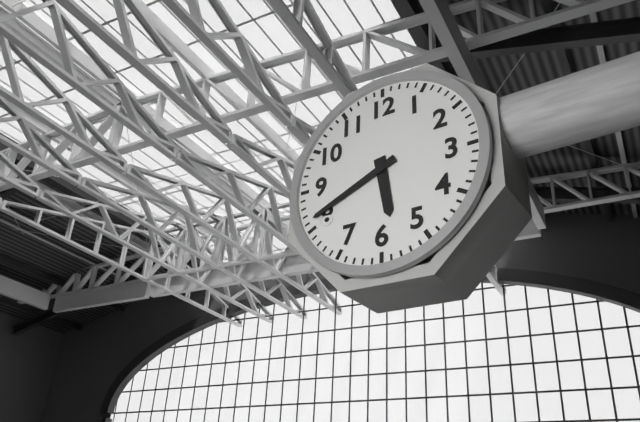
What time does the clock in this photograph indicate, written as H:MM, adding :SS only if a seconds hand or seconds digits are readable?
5:41
